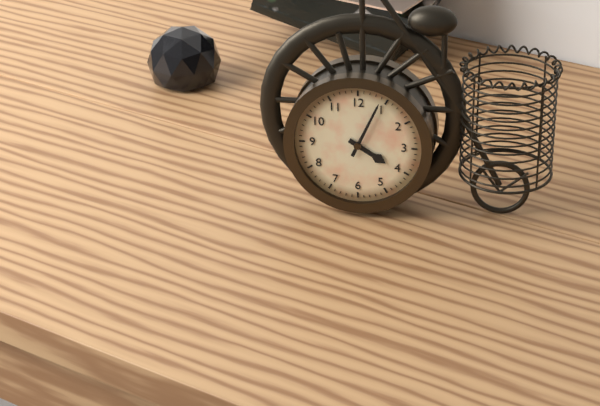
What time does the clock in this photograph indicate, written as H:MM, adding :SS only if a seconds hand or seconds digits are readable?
4:04
